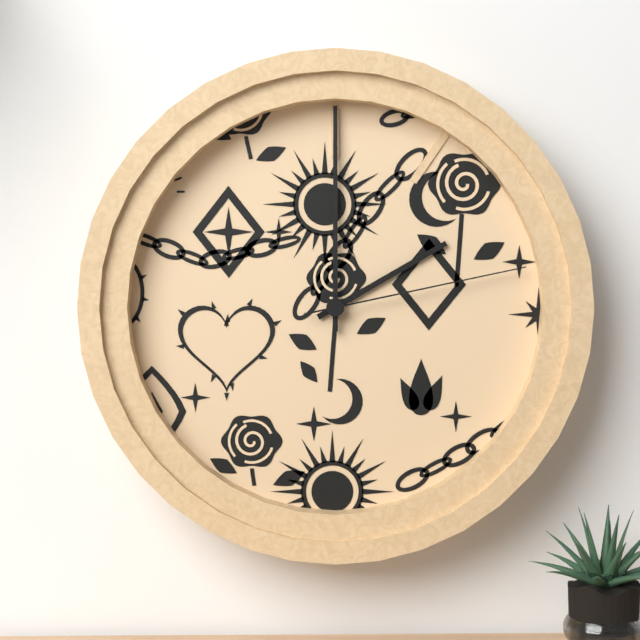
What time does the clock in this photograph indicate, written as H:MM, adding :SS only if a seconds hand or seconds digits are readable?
2:00:13
